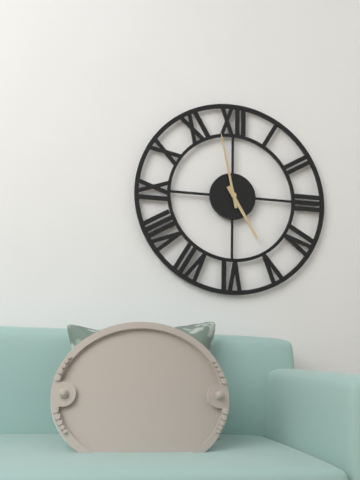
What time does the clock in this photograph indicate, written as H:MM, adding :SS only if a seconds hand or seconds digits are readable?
4:58
